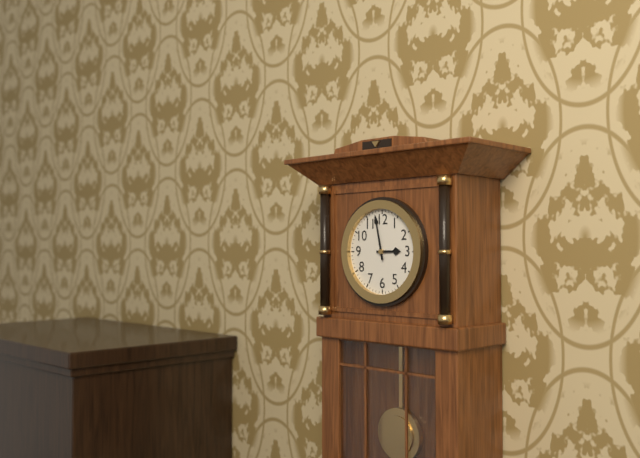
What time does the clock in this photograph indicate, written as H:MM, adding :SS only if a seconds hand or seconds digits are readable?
2:58
